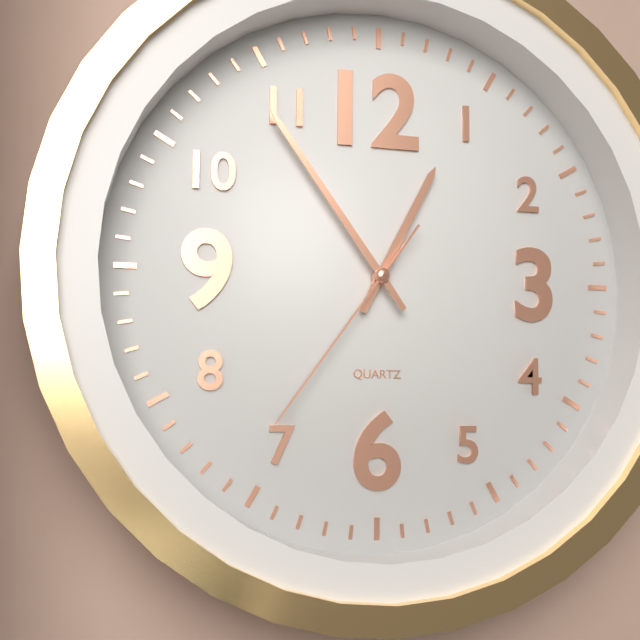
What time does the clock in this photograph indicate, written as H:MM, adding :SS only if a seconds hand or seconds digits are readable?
12:54:36
